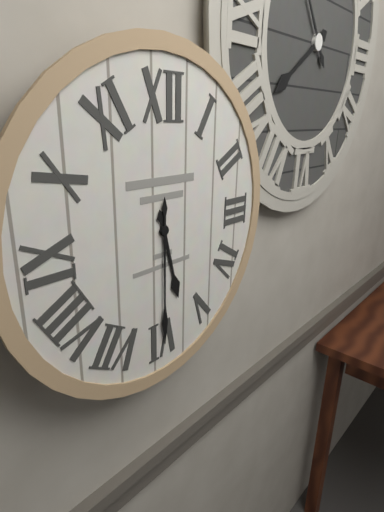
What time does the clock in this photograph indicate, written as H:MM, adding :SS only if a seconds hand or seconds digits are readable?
5:30
